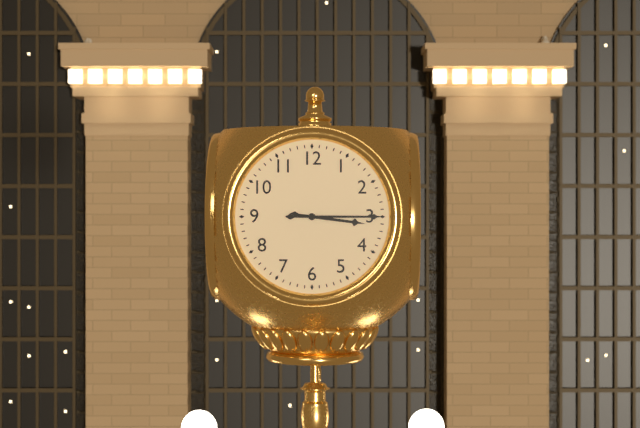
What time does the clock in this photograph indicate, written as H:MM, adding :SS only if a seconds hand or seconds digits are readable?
3:15
